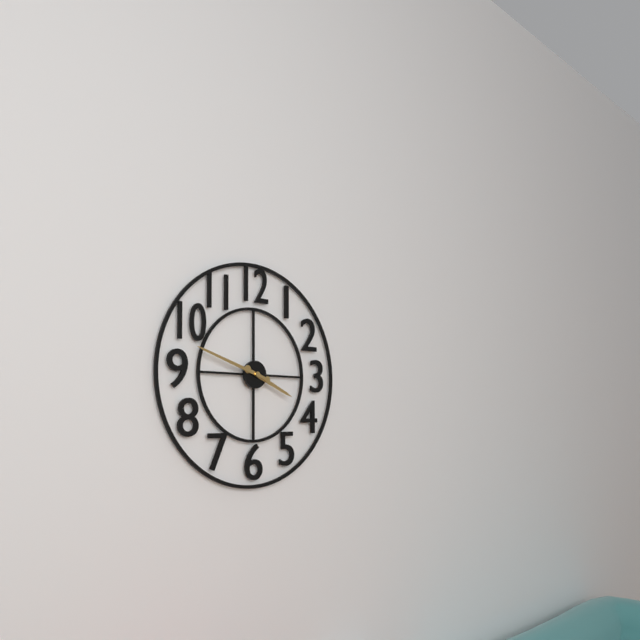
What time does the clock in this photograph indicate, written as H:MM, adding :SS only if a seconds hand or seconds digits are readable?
3:48
